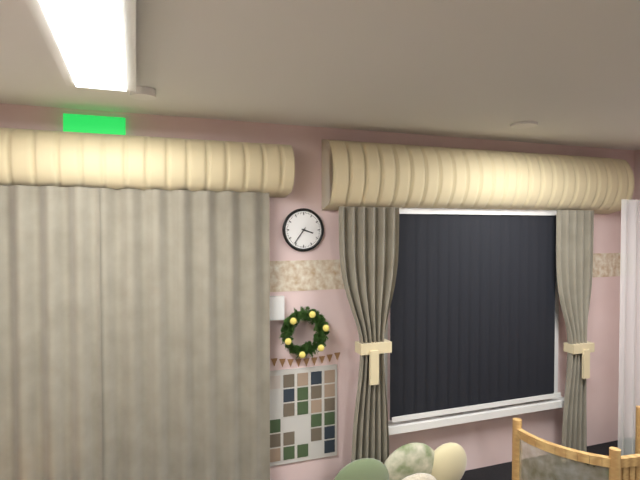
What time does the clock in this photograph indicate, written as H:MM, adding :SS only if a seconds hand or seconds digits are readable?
3:36
